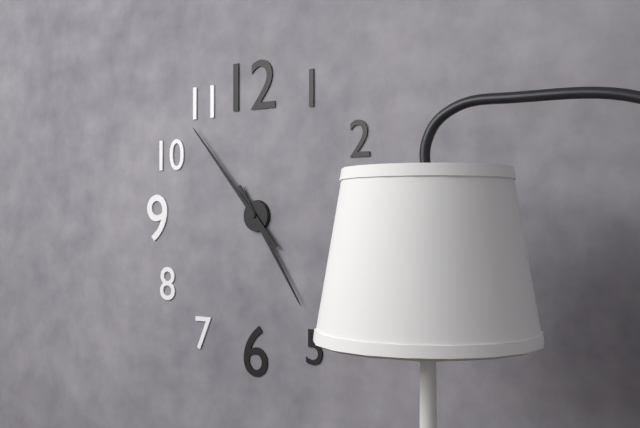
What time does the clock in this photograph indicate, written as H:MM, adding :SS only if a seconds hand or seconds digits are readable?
4:53
